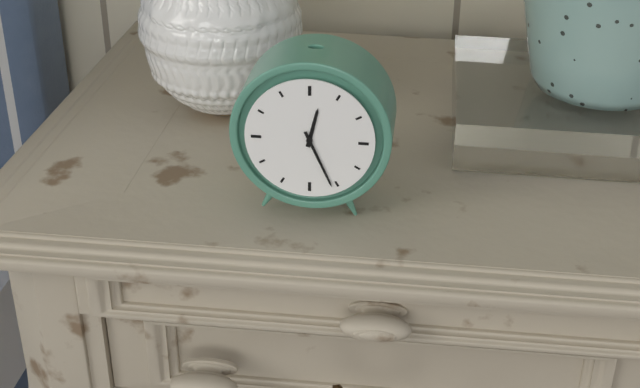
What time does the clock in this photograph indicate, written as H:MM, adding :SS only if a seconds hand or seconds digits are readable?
12:26
